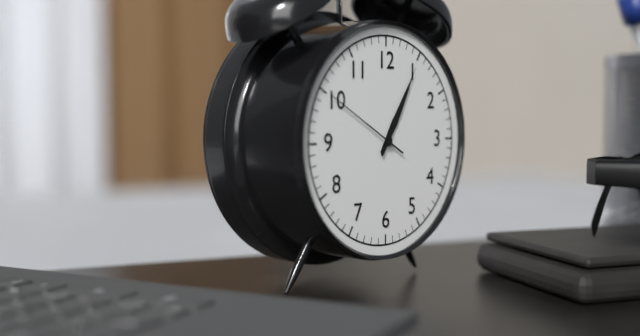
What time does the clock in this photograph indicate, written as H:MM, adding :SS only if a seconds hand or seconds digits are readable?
1:05:50
